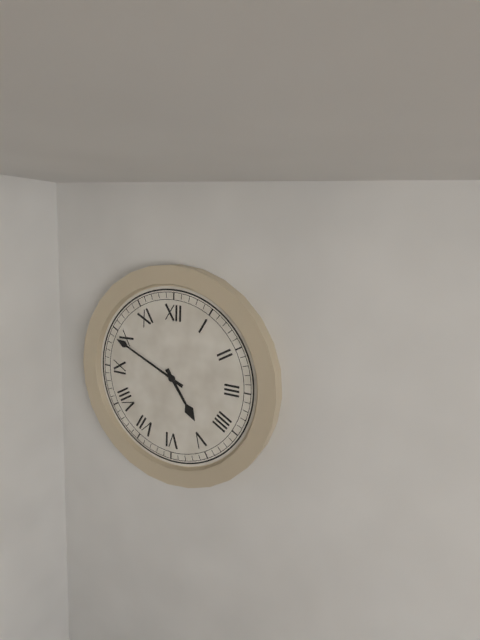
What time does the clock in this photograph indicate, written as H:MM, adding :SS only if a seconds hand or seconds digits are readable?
4:49
